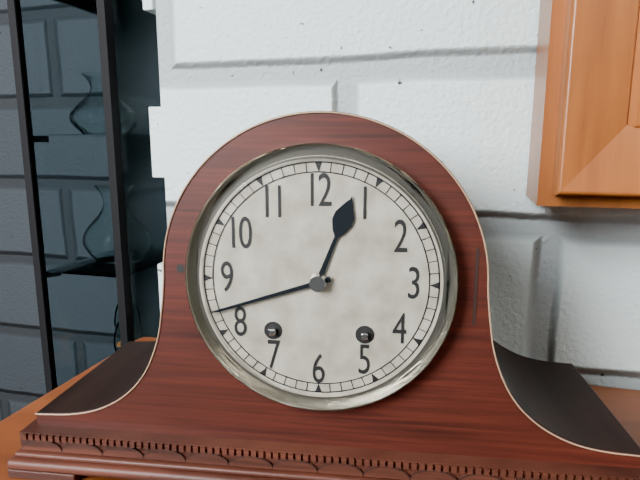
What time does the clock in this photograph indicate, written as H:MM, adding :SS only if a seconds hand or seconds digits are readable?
12:42
